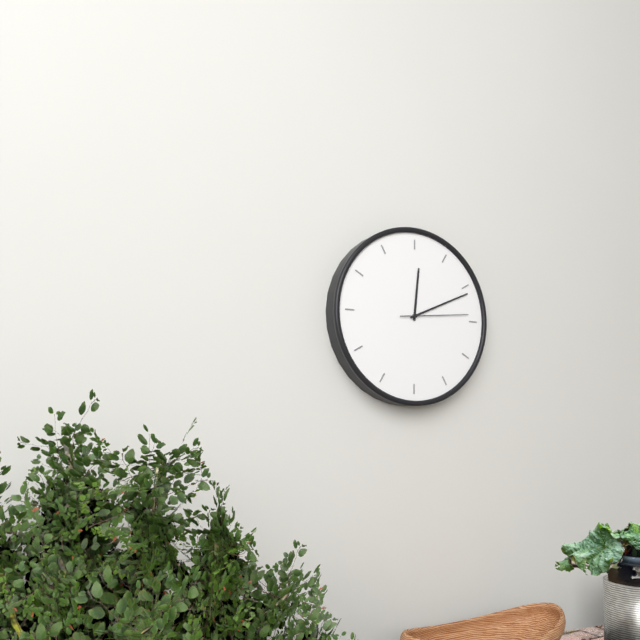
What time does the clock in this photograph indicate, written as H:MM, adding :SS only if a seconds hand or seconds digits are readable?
12:11:14
